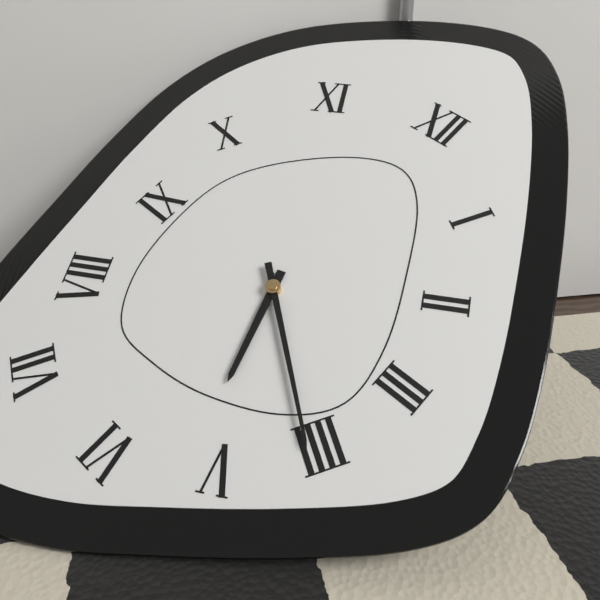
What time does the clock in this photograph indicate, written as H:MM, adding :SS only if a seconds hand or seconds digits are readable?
5:21
